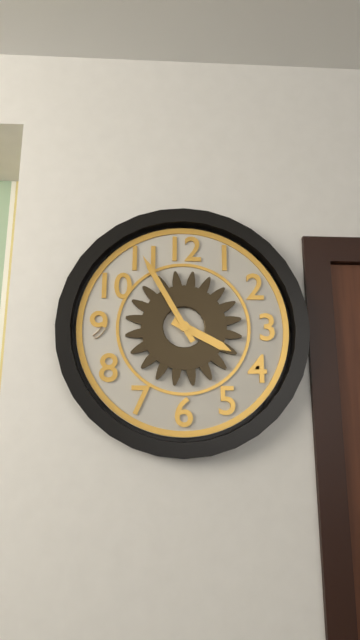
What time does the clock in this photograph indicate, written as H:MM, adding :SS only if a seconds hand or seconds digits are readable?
3:55
